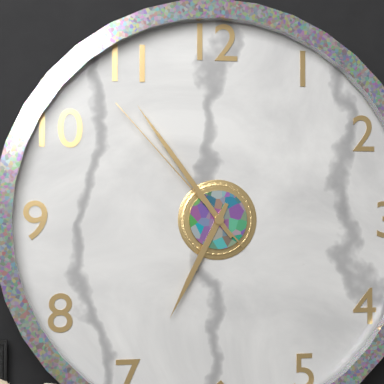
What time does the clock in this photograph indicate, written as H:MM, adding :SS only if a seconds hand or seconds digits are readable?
6:54:53
